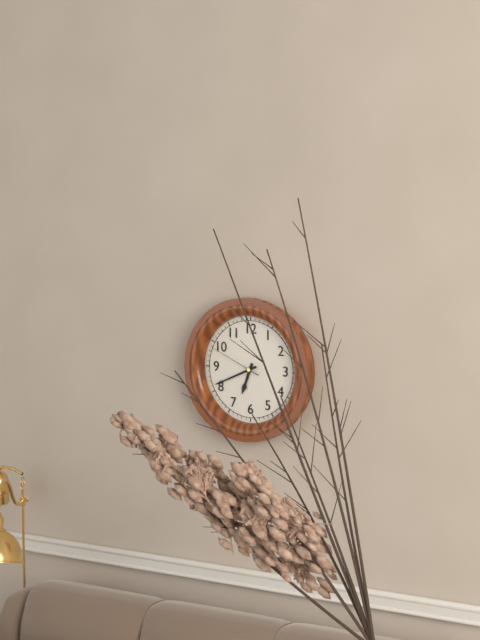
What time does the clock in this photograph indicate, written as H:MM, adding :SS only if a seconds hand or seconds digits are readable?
6:41:49
